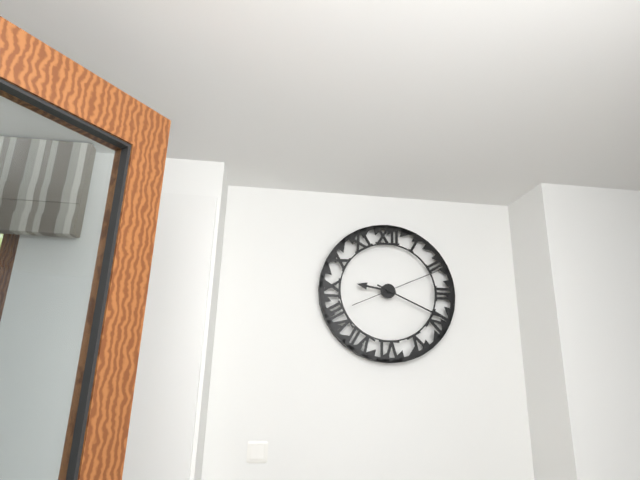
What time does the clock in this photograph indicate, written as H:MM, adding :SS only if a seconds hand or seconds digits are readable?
9:19:11
